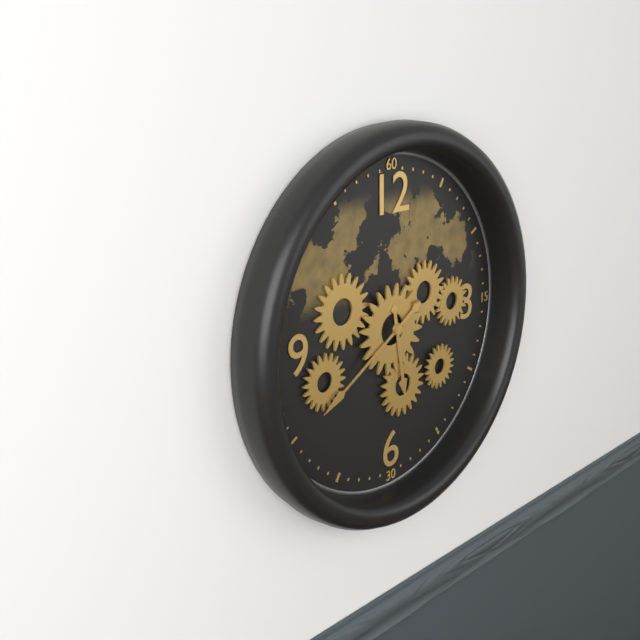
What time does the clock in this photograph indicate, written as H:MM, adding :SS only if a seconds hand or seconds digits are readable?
5:40
